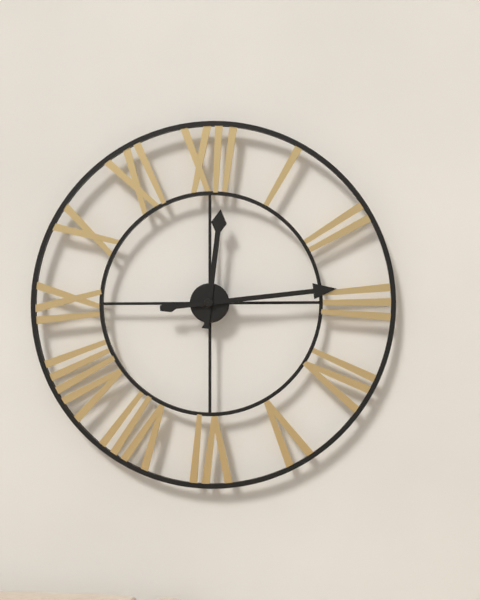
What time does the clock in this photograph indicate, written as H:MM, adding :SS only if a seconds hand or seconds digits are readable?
12:14
